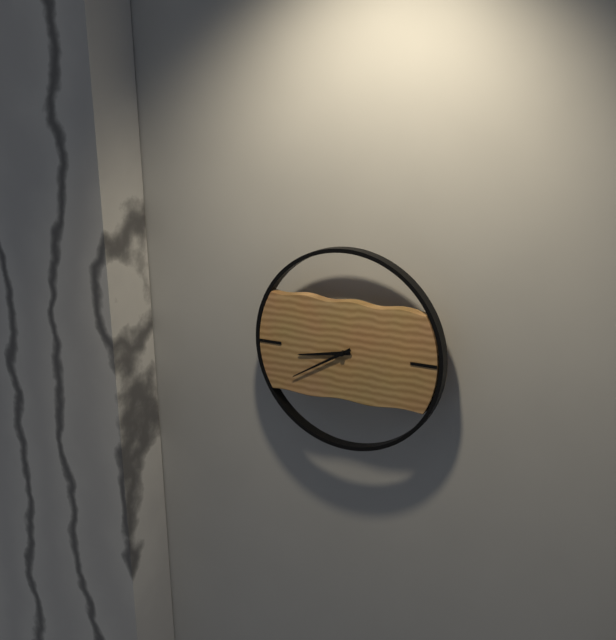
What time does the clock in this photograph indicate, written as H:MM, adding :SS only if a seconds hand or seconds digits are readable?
8:40
